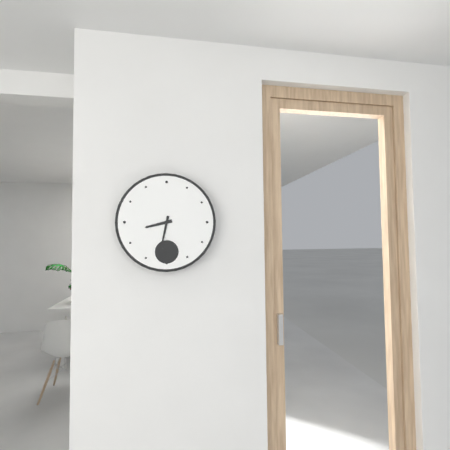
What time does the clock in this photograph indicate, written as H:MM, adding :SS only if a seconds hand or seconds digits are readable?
8:32
